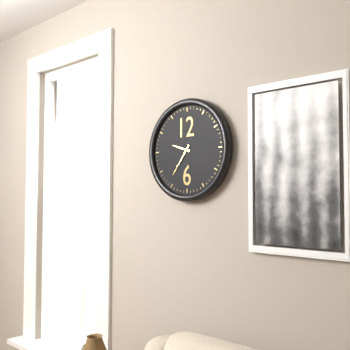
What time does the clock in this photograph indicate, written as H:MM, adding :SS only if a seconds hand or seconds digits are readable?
9:36
